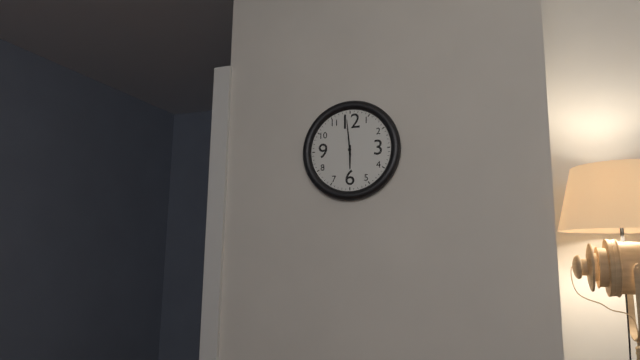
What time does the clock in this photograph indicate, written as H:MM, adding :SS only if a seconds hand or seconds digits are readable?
5:59
